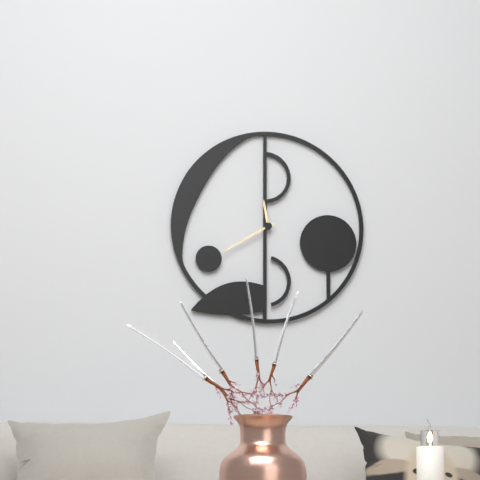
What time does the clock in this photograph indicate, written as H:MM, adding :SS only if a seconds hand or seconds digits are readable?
11:40
